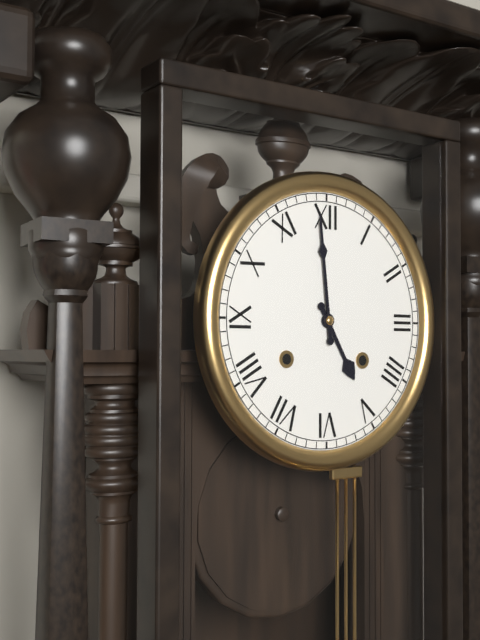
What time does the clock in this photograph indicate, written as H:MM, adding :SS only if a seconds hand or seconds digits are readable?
4:59
